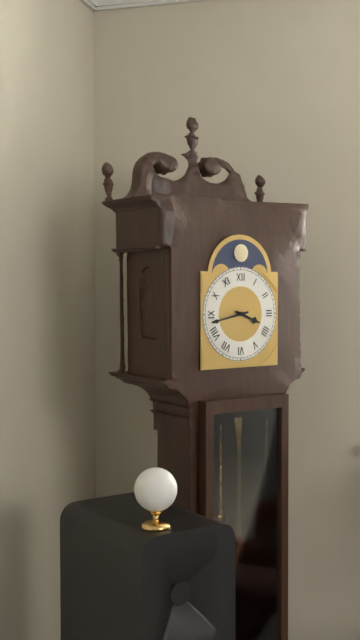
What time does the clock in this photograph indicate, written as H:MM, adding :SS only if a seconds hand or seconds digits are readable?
3:43
